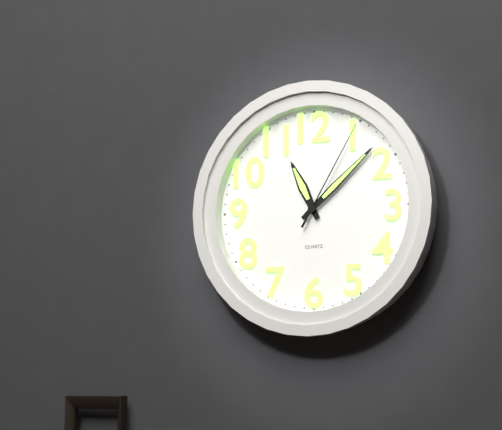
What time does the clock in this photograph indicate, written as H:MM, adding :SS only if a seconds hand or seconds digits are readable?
11:08:05
